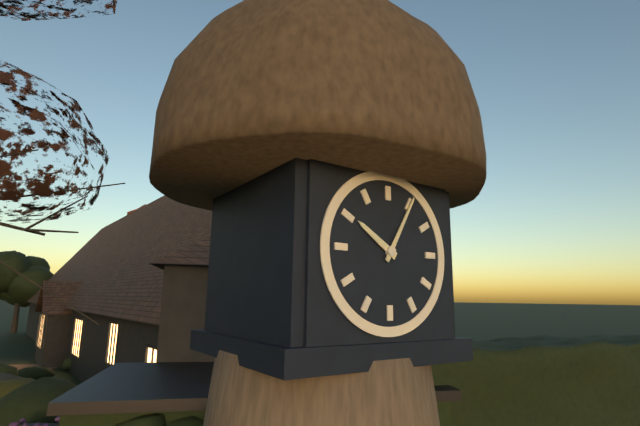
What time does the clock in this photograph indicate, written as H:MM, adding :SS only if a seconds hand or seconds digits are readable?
10:05
